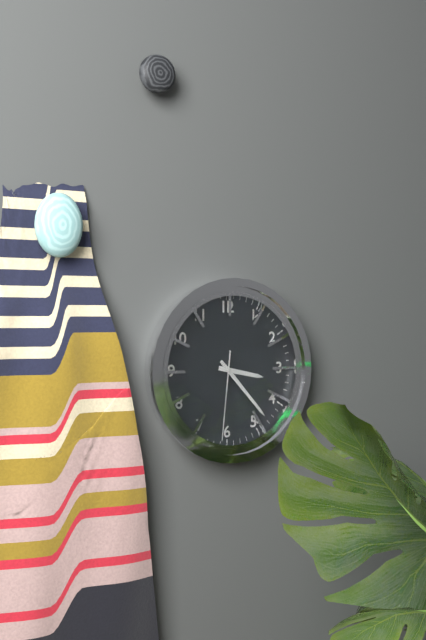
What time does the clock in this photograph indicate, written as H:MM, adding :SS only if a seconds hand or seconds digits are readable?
3:23:31
